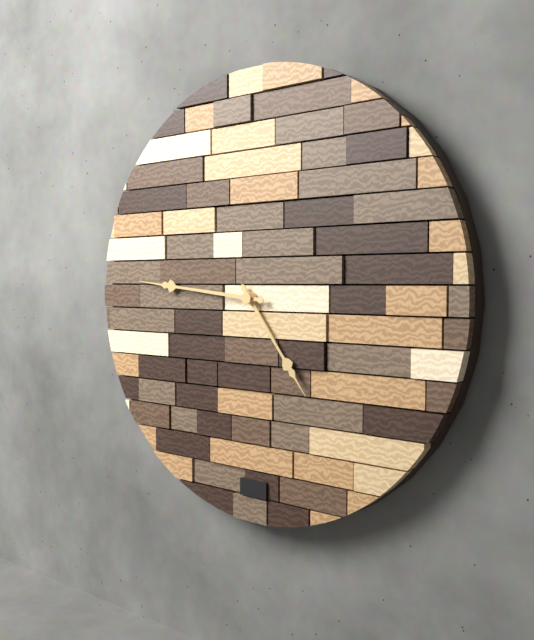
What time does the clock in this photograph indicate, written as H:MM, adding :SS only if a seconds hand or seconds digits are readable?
4:46
